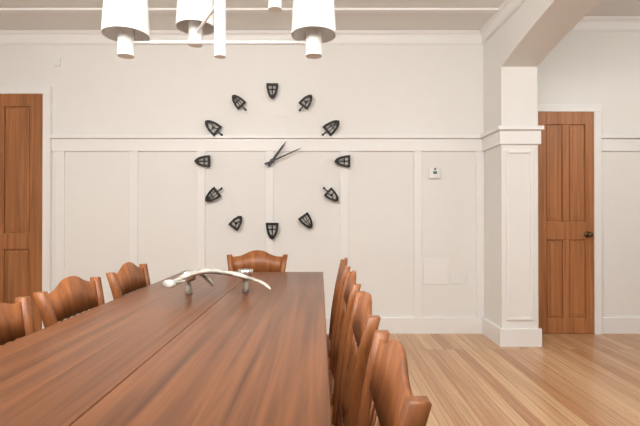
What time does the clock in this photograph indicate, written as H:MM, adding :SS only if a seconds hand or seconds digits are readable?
1:11
